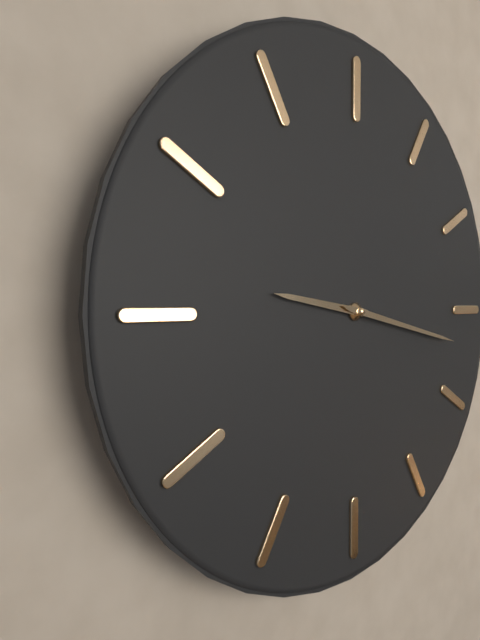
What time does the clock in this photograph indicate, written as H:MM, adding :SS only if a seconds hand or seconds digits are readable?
9:17
